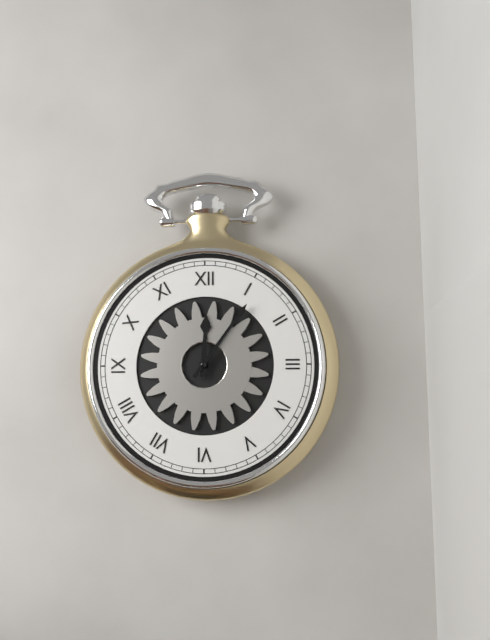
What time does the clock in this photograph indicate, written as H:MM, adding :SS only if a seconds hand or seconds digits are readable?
12:06
